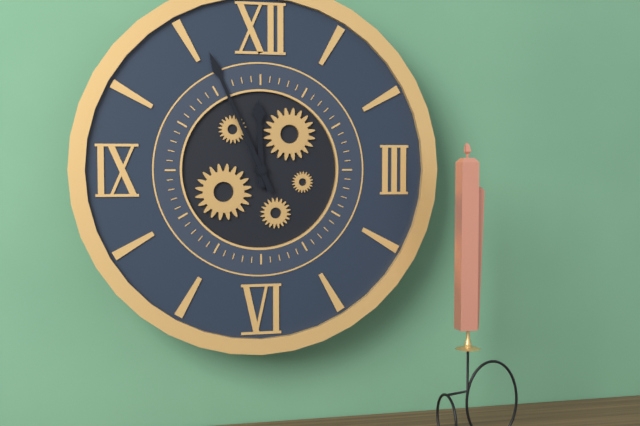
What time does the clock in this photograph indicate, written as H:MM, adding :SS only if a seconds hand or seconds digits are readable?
11:56
